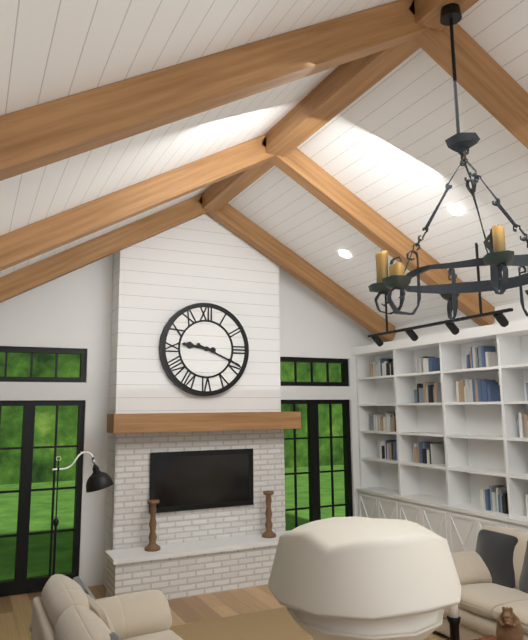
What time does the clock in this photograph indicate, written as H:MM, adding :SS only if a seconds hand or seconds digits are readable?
9:19
